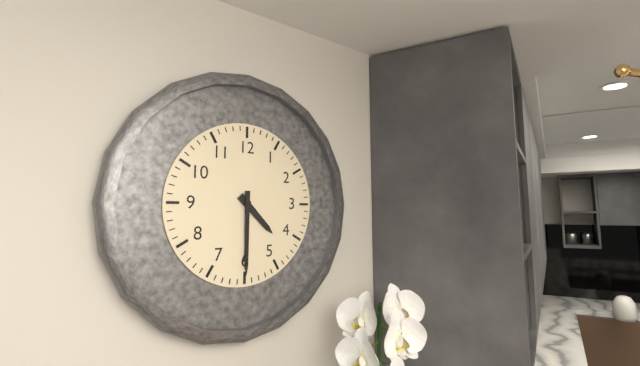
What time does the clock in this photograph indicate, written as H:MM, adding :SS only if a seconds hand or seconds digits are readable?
4:30
